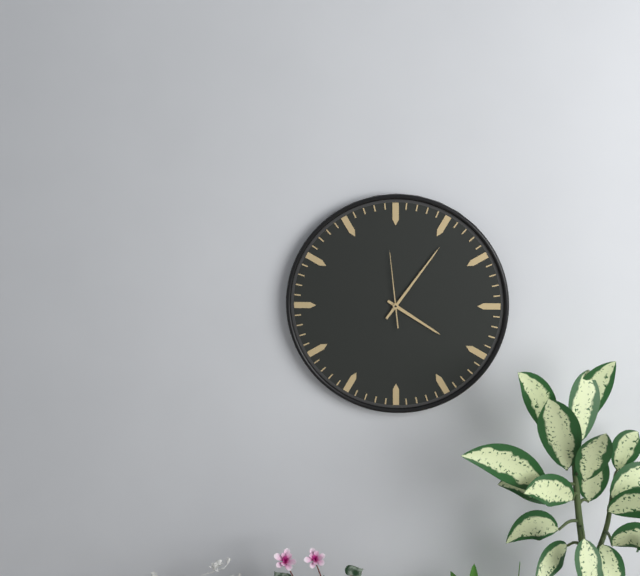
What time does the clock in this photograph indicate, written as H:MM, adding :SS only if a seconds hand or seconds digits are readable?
4:06:59
